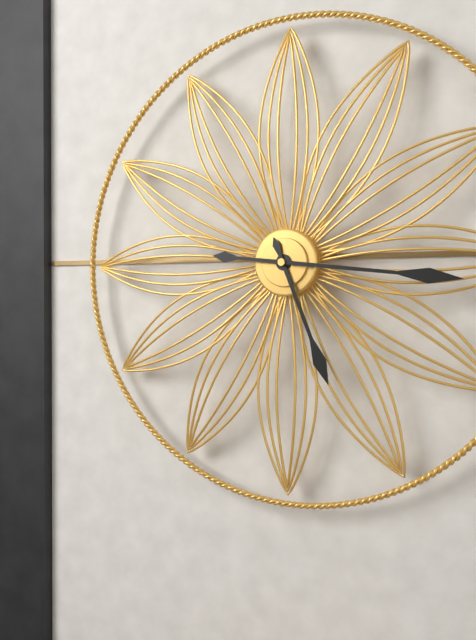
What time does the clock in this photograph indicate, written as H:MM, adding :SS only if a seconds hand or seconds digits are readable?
5:16
